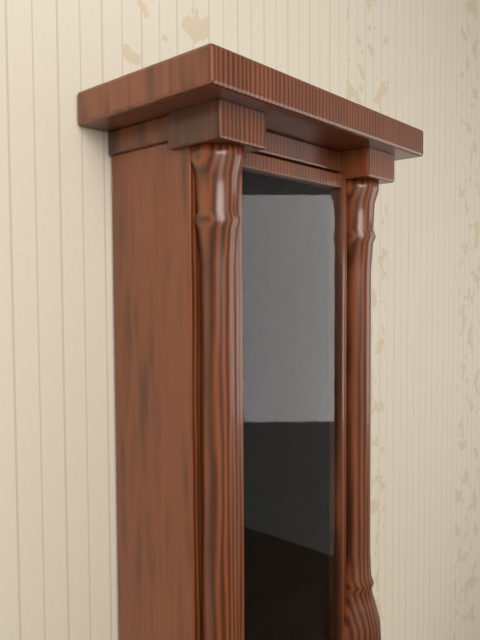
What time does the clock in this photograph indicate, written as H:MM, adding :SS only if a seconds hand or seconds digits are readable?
8:00
